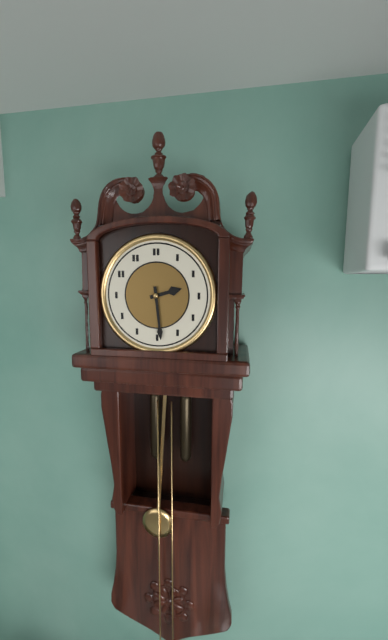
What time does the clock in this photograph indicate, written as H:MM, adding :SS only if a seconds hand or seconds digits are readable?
2:29
